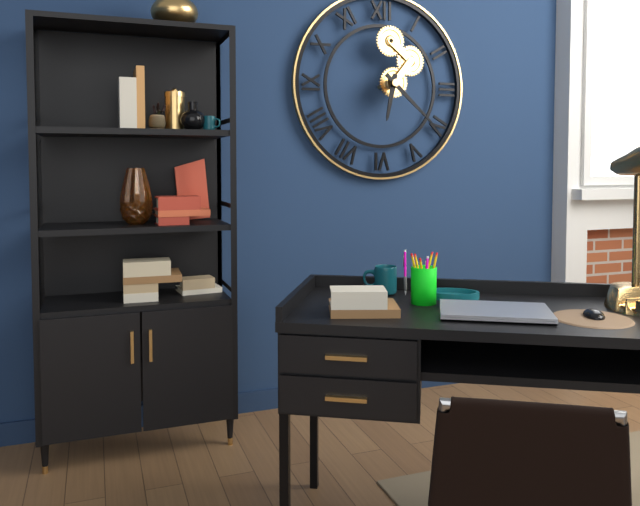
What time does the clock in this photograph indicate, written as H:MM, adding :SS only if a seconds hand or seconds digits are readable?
6:22
